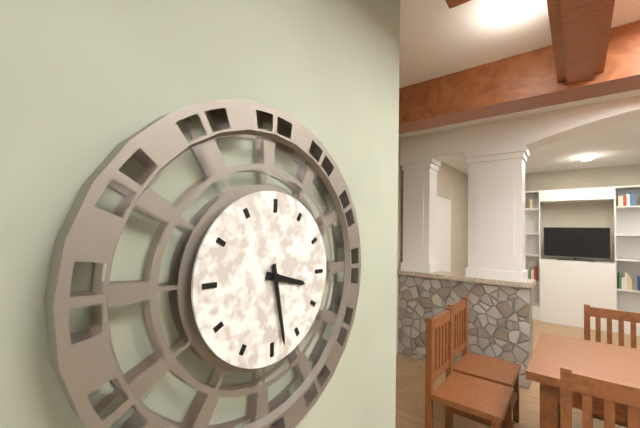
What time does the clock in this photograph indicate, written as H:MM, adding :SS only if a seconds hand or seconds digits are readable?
3:28
